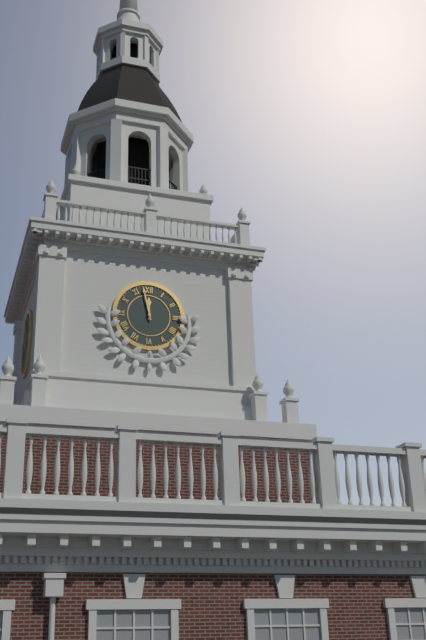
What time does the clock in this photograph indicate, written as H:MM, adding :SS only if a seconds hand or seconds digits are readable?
11:58
